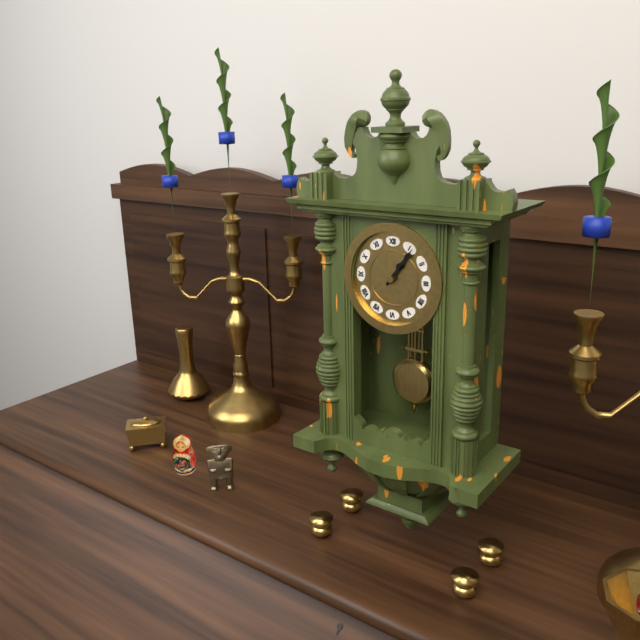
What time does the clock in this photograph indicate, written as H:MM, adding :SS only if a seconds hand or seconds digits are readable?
1:06
